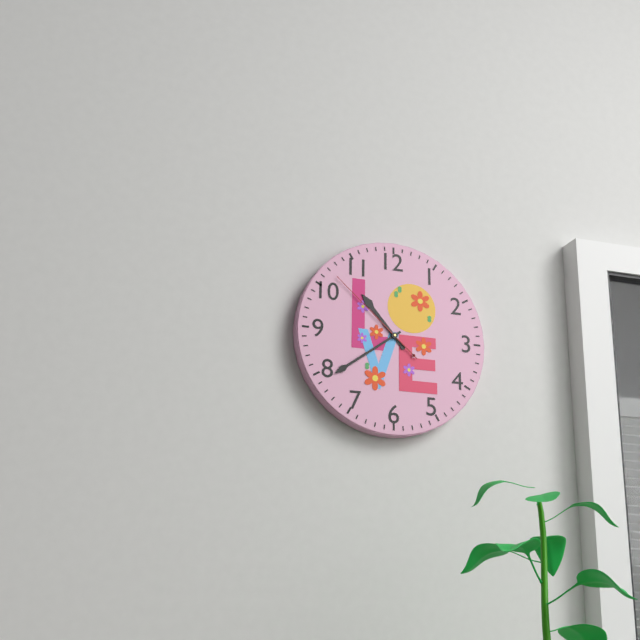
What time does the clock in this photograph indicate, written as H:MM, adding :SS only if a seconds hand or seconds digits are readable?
10:39:52
